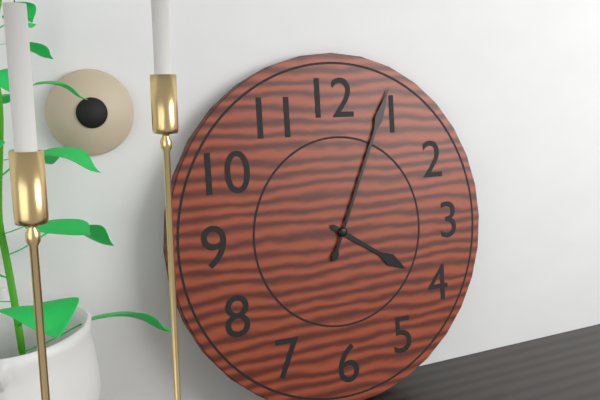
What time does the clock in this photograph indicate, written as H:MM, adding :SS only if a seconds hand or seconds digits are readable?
4:04
